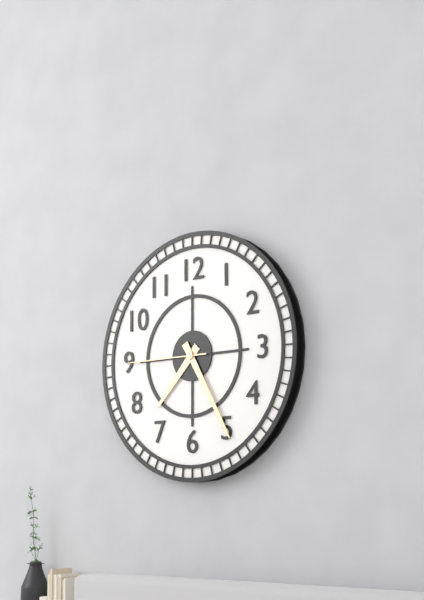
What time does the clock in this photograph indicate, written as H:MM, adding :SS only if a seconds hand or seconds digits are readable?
7:25:45
